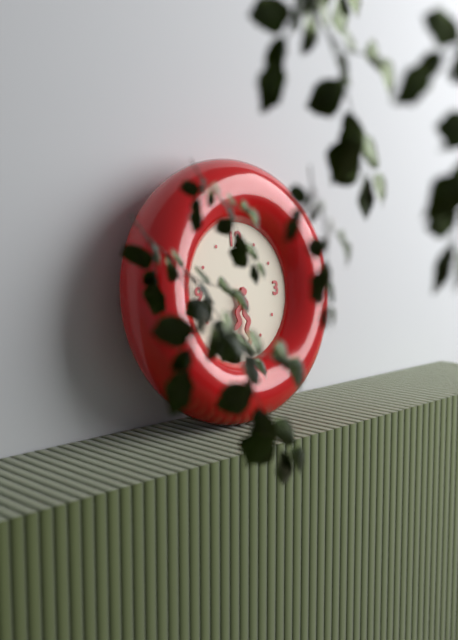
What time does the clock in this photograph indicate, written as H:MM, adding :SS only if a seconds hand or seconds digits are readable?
6:29
